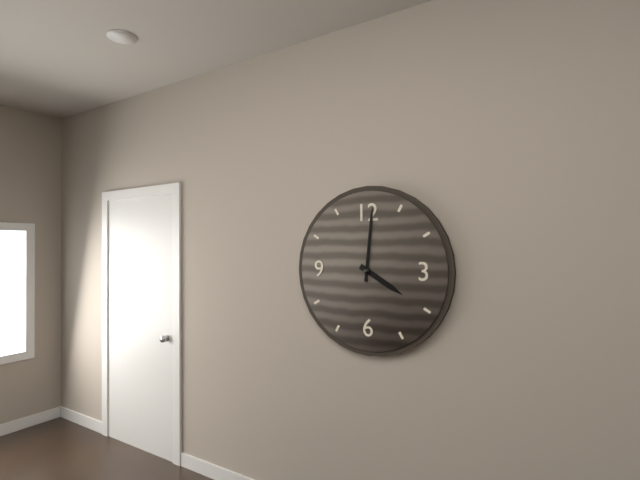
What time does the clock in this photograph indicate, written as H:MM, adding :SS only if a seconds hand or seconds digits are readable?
4:01
